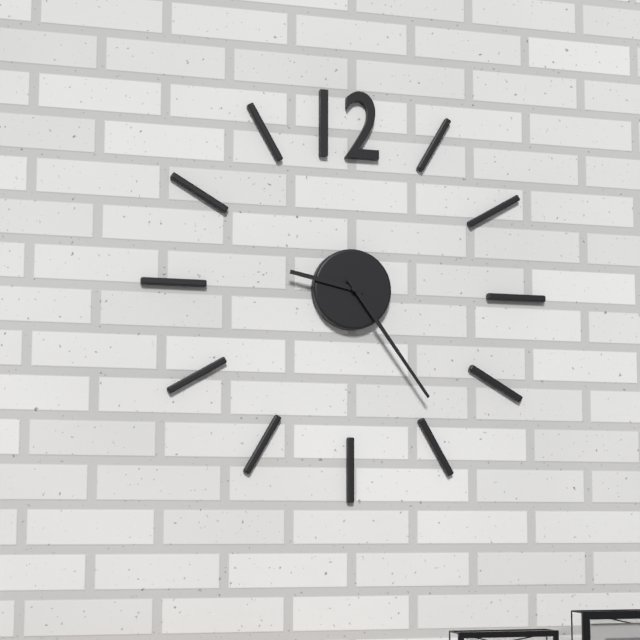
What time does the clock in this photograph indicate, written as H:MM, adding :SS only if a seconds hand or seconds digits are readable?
9:24
